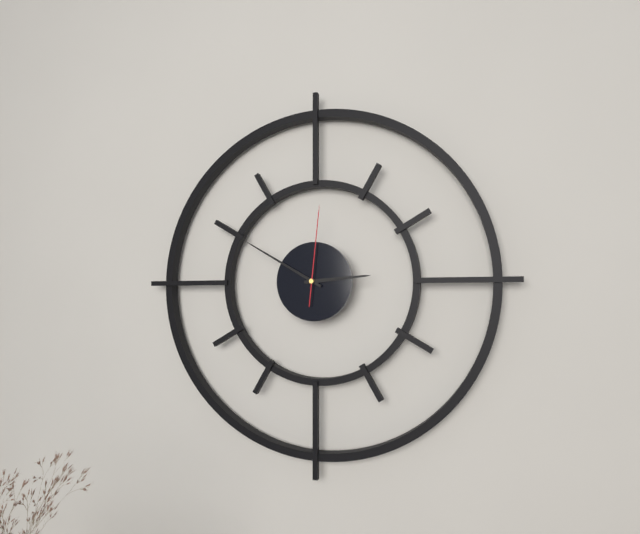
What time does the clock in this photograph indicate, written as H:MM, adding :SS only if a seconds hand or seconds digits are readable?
2:50:01
